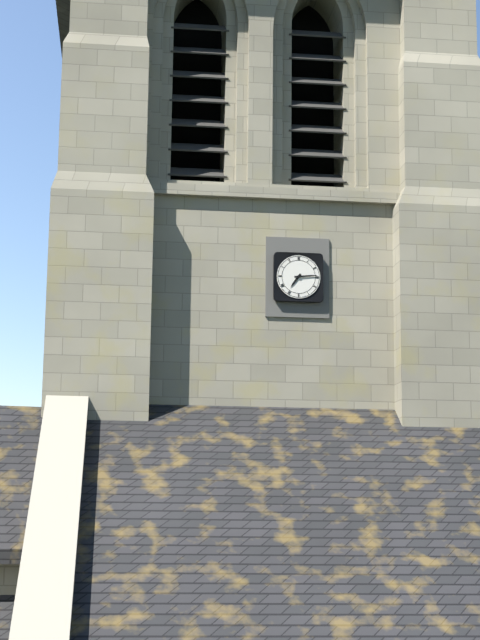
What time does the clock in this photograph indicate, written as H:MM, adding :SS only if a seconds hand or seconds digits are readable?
7:14
